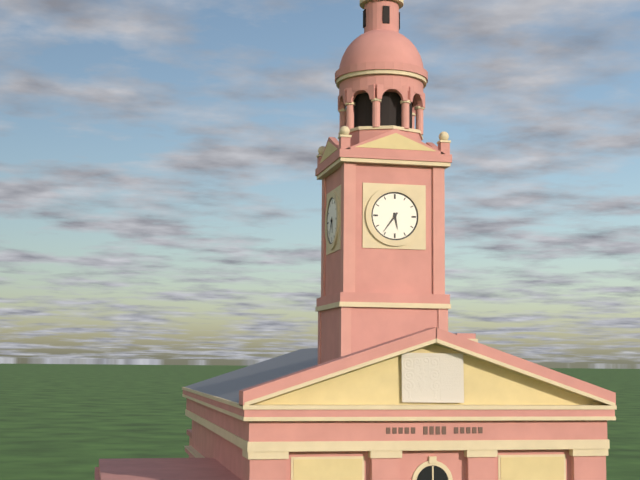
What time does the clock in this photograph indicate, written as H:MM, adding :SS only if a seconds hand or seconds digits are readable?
5:36
